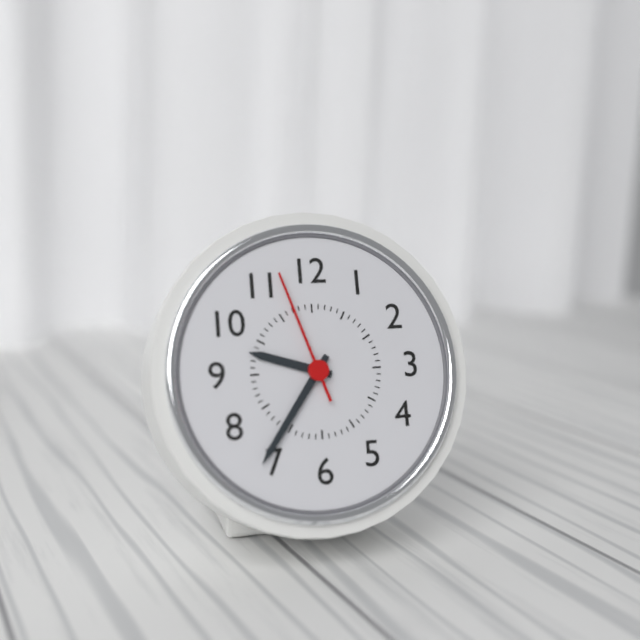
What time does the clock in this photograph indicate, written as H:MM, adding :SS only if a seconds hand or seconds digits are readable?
9:36:57
